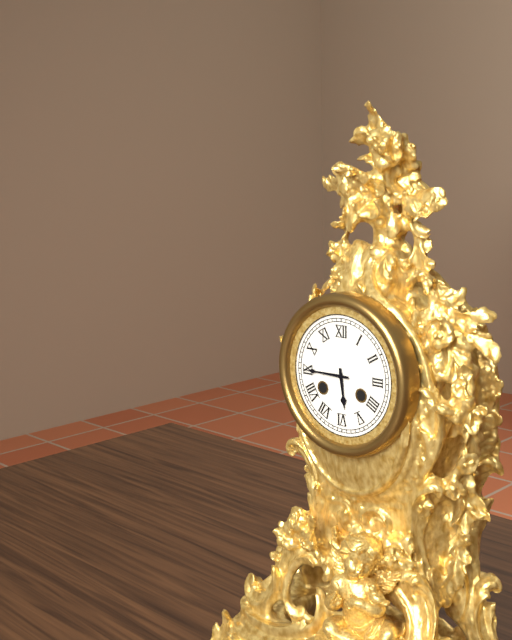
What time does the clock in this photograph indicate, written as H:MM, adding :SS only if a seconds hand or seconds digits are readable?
5:45
